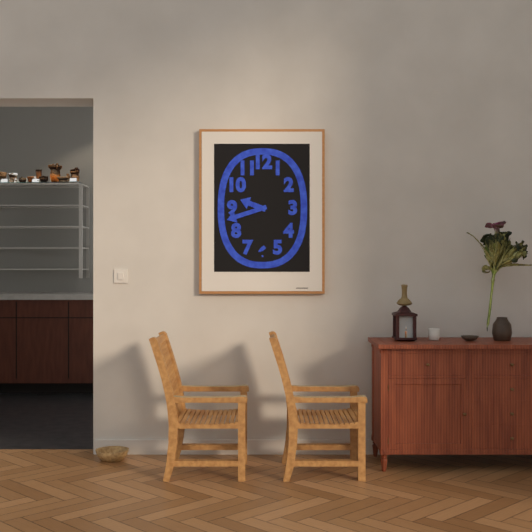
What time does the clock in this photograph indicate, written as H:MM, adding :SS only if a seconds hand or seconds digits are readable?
9:42
